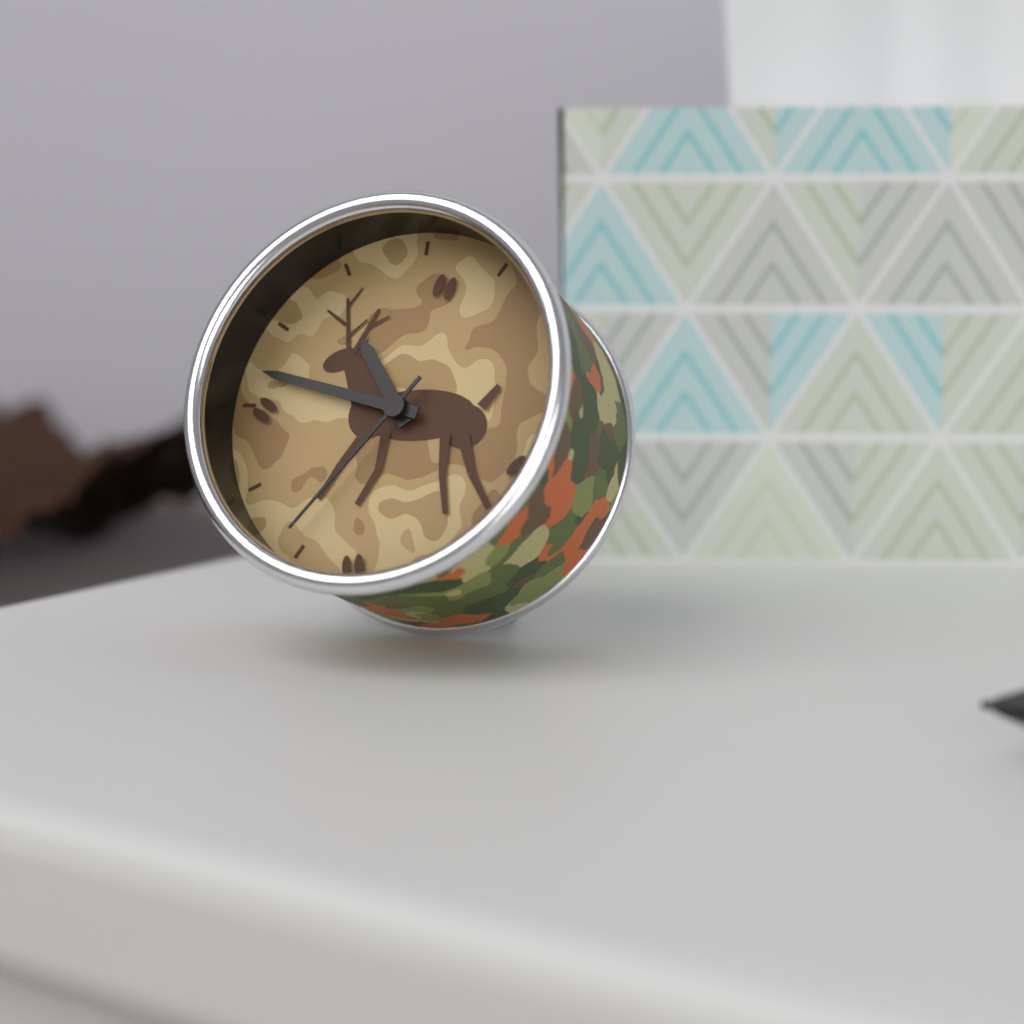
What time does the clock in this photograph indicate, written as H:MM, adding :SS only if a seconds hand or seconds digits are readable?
10:47:36
